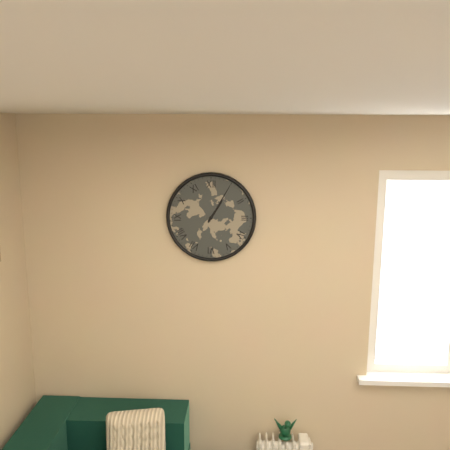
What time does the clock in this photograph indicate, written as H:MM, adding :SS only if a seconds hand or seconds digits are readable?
1:05
